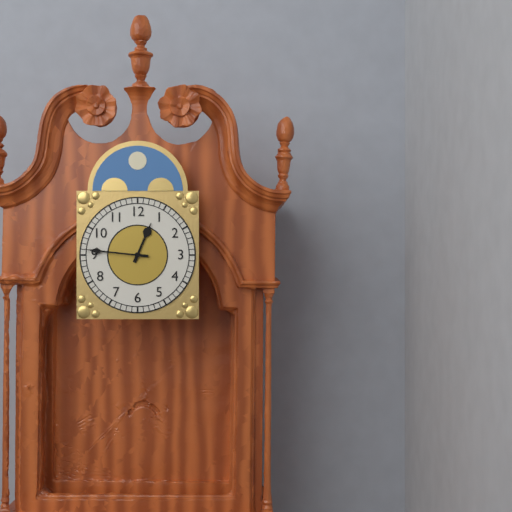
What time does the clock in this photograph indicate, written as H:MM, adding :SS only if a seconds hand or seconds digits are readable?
12:46
